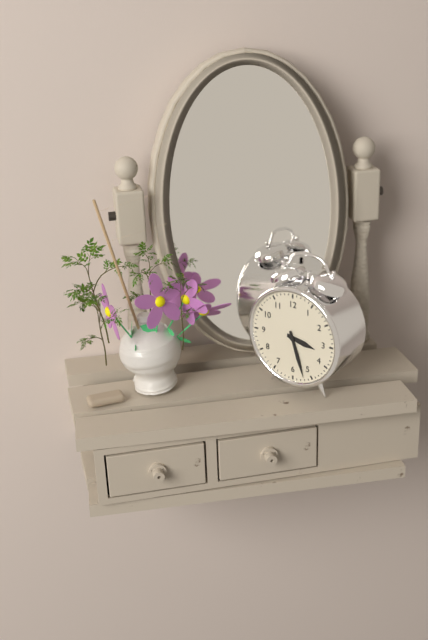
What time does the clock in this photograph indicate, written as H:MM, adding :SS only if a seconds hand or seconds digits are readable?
3:27
